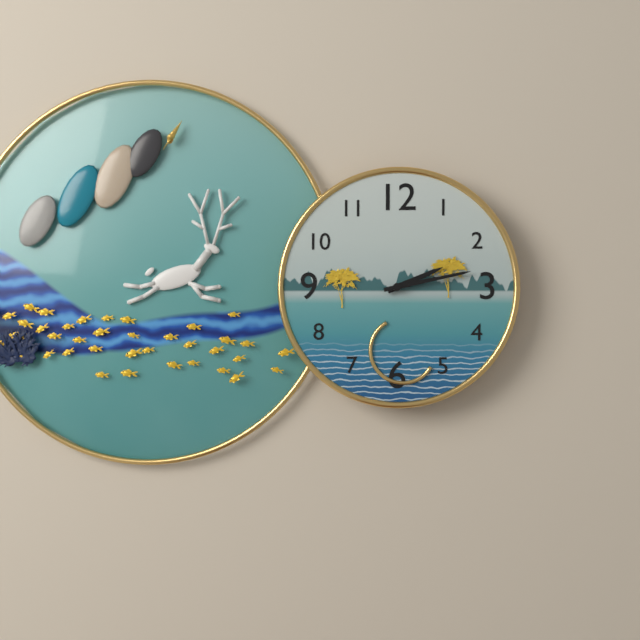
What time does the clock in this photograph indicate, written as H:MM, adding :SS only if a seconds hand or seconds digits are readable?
2:13
